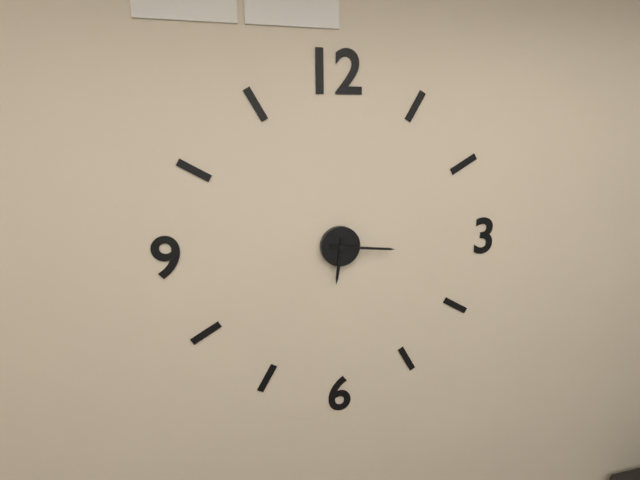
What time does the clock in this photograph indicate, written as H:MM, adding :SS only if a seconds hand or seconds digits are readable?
6:16
